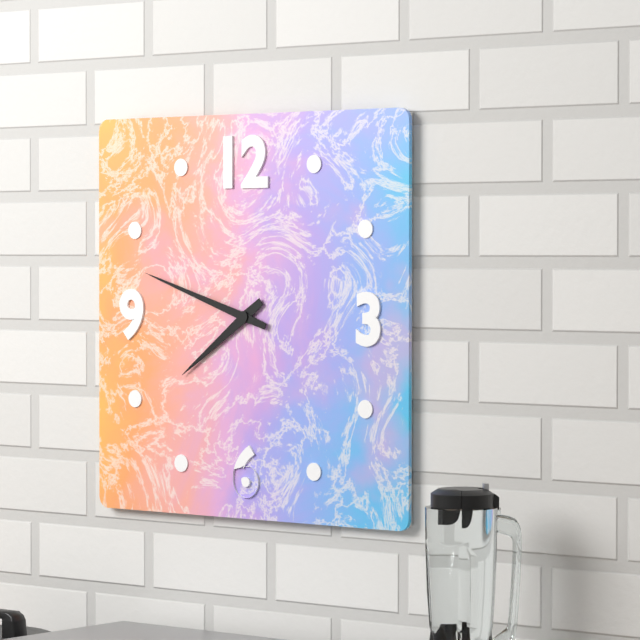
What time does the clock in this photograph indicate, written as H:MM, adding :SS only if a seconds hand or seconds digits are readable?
7:48
